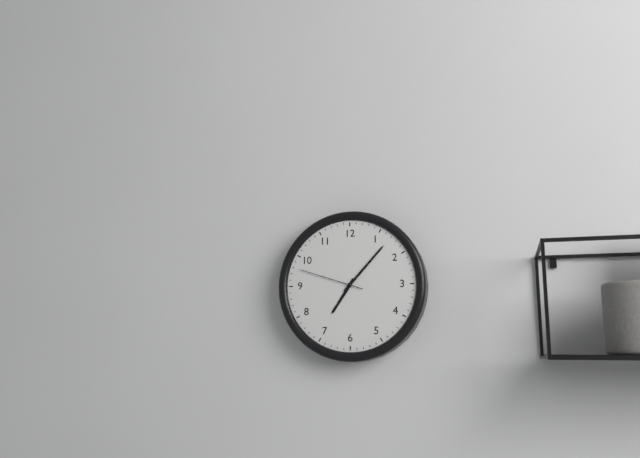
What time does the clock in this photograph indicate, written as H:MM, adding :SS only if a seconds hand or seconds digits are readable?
7:07:48
